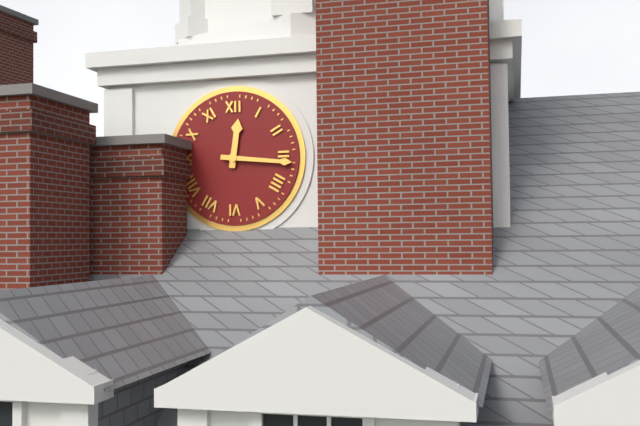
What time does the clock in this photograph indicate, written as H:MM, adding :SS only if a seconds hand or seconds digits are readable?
12:16
